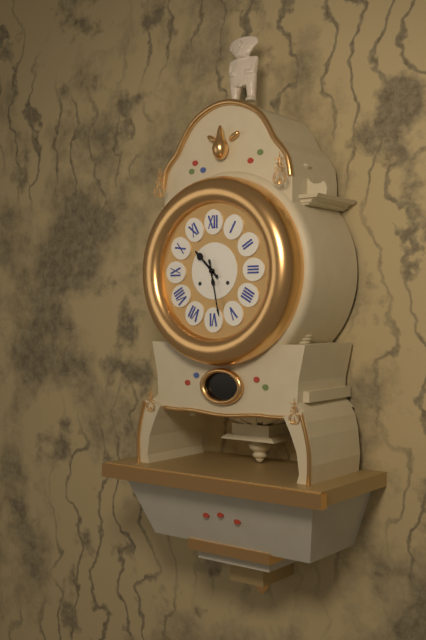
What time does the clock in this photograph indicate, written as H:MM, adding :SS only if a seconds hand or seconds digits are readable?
10:28
